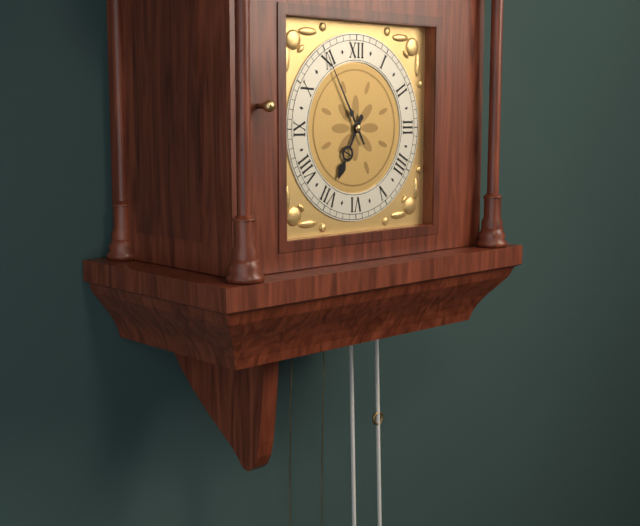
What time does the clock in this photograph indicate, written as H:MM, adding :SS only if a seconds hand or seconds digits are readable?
6:55
